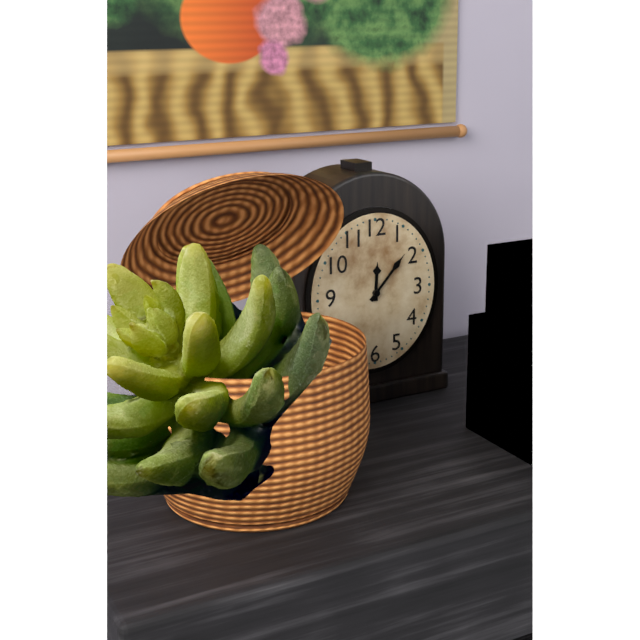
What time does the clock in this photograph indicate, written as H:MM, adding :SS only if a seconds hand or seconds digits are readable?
12:07
